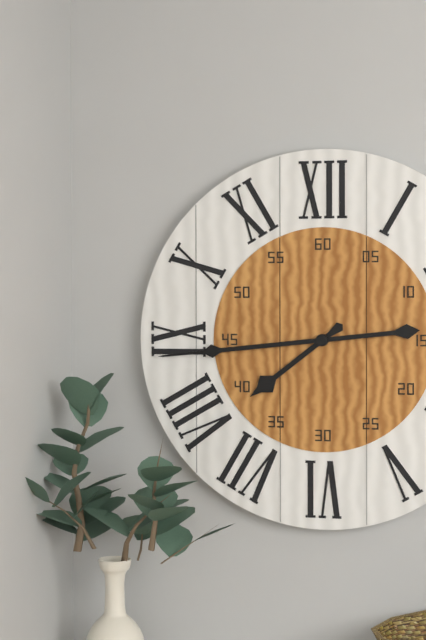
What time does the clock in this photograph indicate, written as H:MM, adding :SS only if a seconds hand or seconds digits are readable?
7:44
